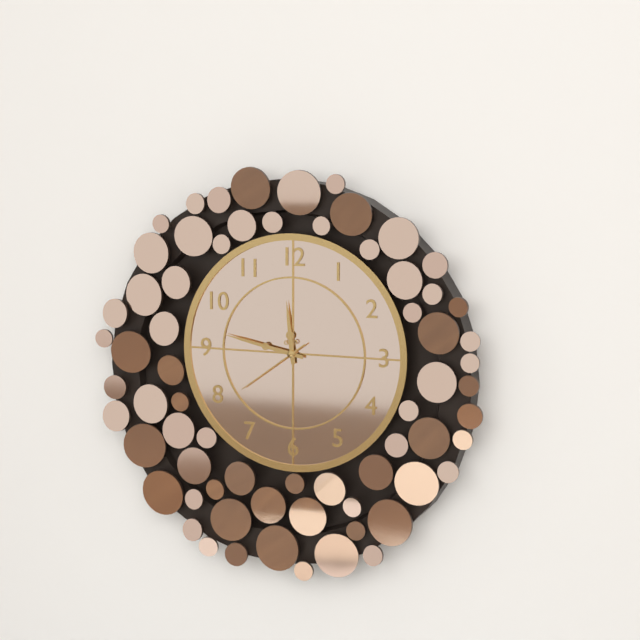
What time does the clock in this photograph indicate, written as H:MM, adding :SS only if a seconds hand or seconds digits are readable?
11:47:39
